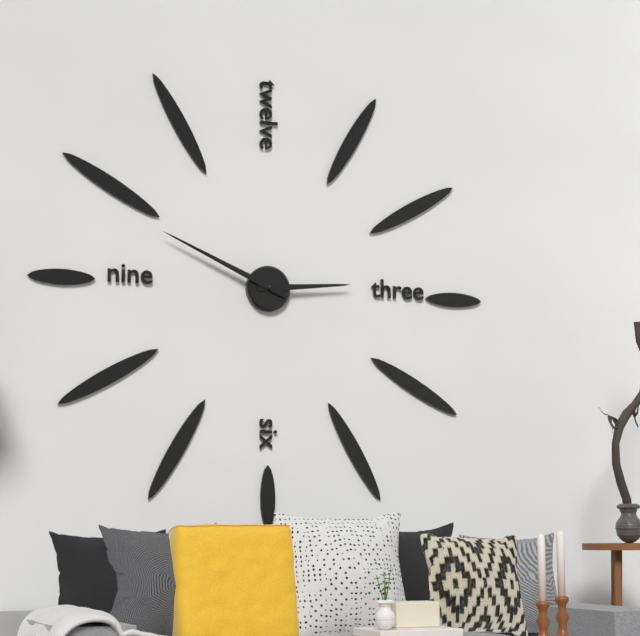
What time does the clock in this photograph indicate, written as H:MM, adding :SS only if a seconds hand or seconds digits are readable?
2:49
